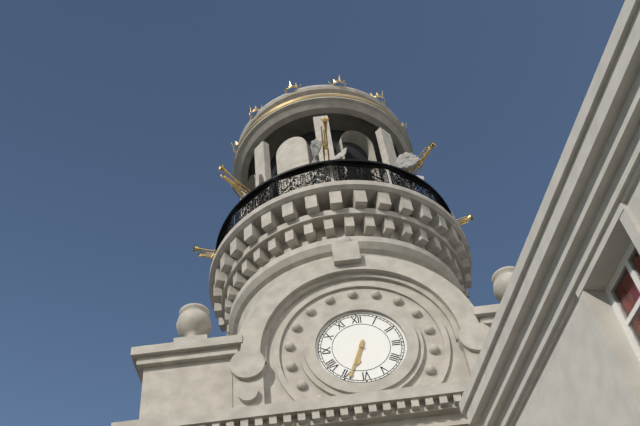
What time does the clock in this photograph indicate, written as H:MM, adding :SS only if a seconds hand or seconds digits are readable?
6:34
